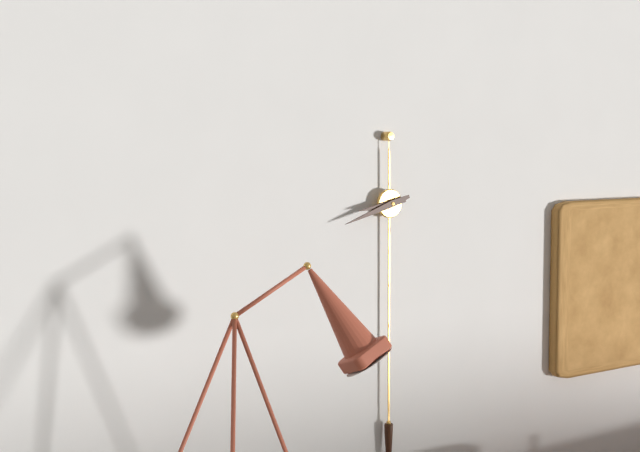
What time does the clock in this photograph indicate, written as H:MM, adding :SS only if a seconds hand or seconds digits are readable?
8:42
